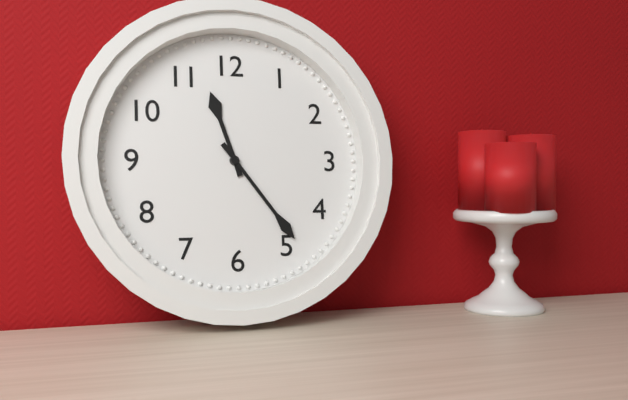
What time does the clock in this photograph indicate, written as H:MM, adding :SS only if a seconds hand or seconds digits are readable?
11:24
